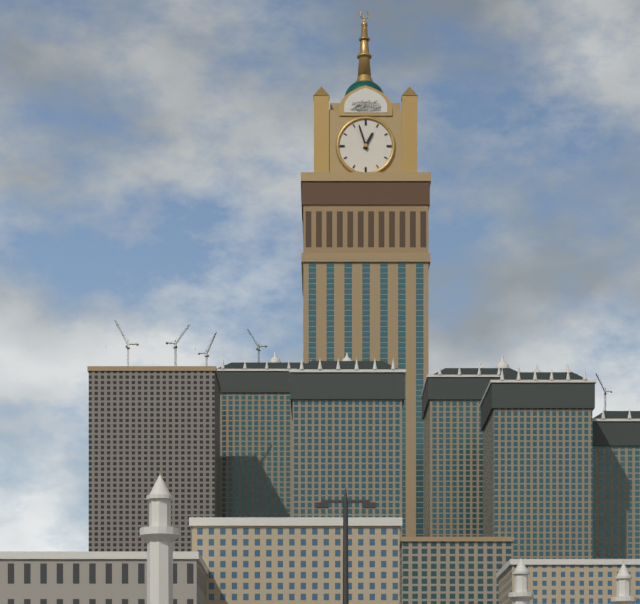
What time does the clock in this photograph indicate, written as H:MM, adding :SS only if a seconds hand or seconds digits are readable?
12:57
